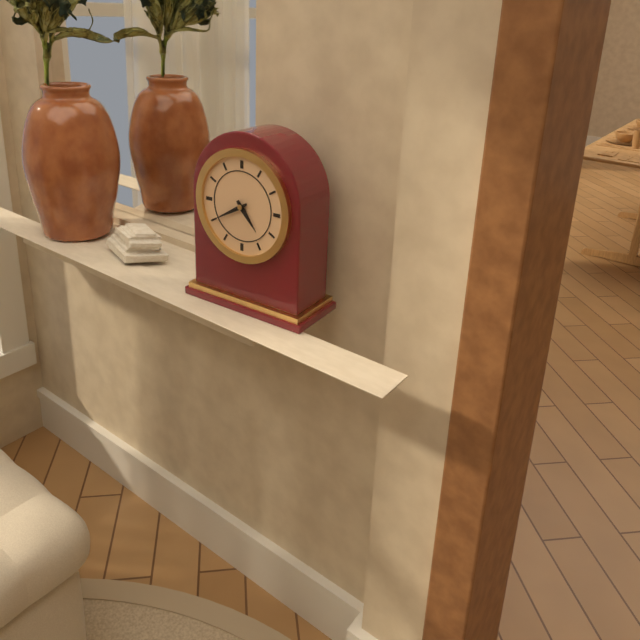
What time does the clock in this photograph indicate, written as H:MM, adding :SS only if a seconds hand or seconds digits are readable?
4:40
